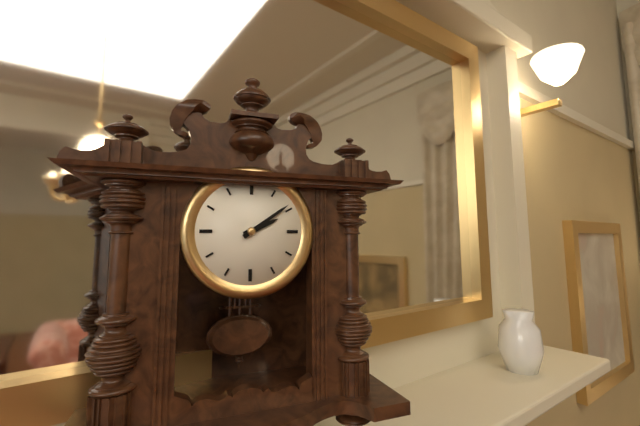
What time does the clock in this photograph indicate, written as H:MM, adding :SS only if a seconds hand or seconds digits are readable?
2:09
